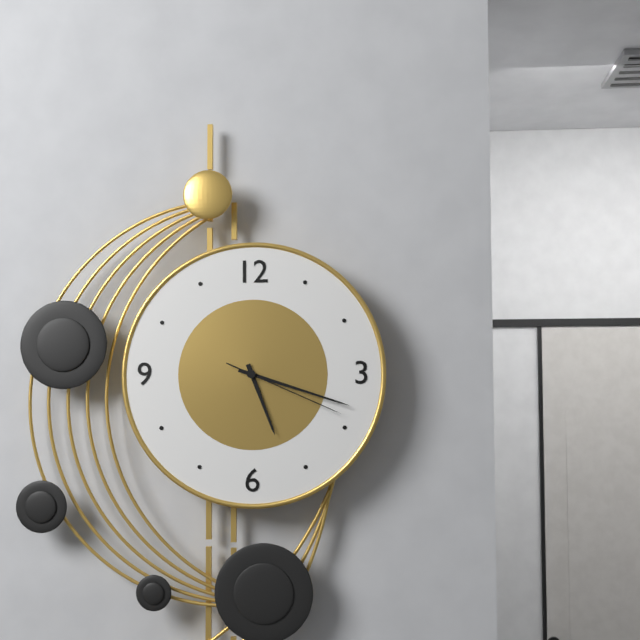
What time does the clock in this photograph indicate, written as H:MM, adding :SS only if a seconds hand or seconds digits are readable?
5:18:19
